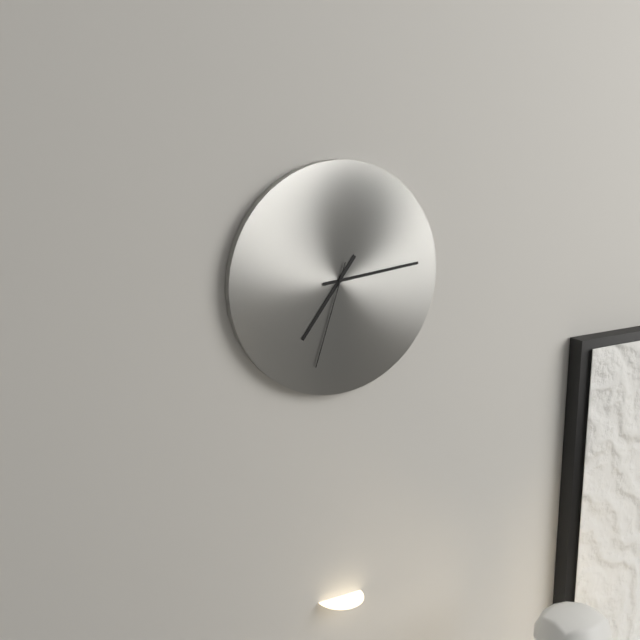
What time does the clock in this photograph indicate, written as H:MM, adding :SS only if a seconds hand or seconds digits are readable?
7:14:33
